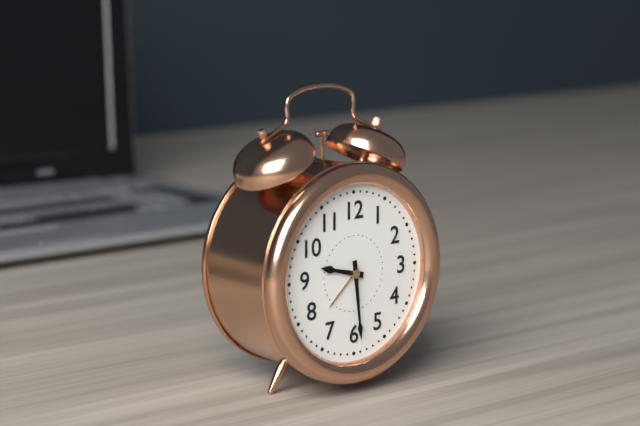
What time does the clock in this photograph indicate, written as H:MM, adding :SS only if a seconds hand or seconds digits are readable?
9:29
